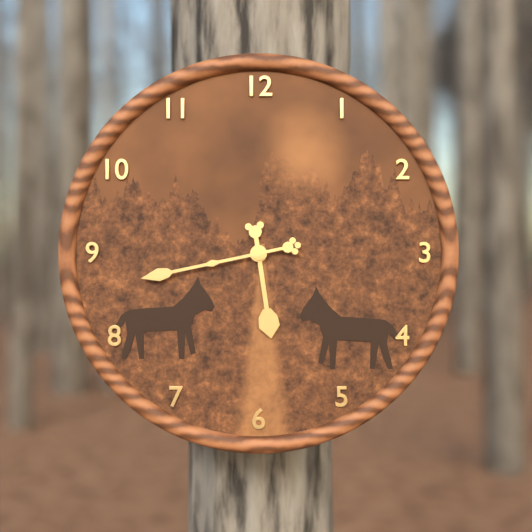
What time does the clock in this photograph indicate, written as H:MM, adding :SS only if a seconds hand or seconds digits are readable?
5:43
